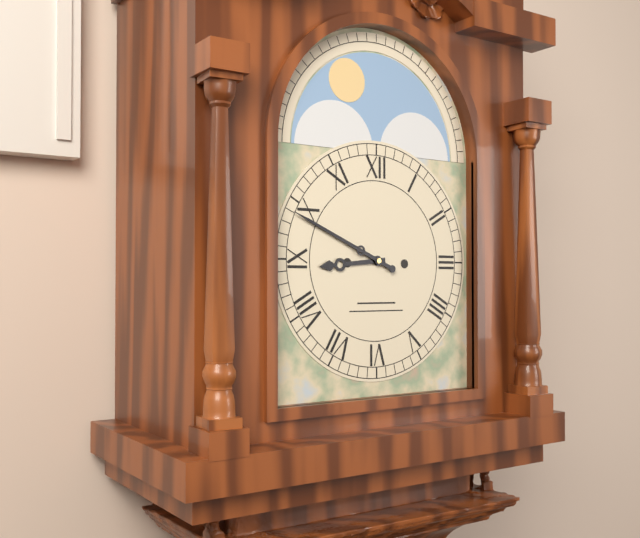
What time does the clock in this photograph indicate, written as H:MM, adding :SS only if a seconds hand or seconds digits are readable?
8:49
